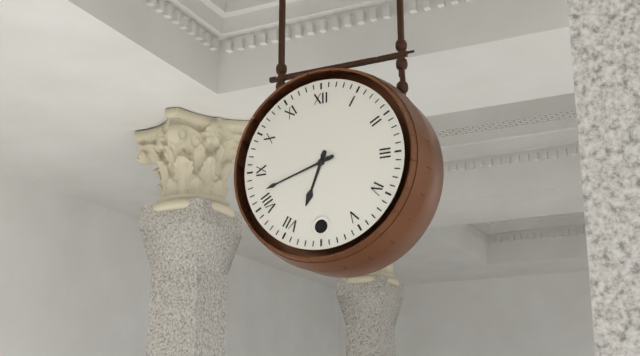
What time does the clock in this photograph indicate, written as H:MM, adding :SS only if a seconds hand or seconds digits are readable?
6:42
